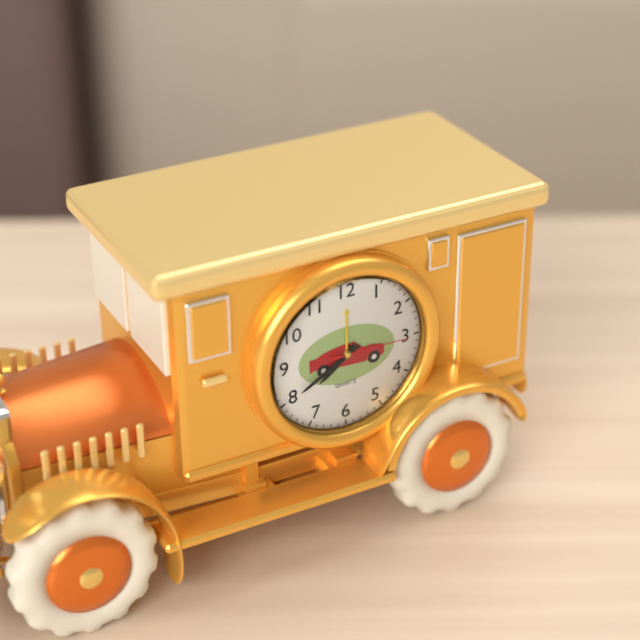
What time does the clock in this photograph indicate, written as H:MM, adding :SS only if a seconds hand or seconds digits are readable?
7:40:15
